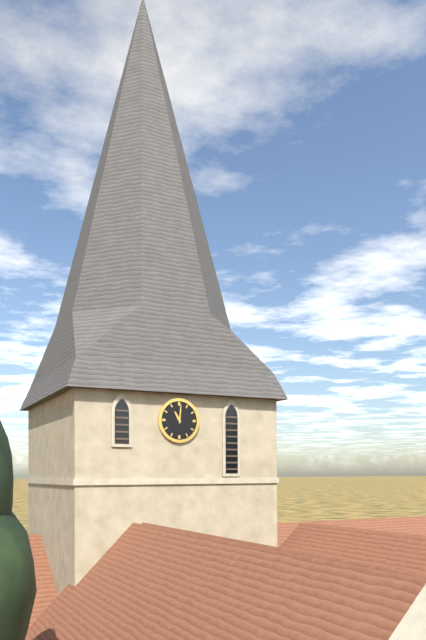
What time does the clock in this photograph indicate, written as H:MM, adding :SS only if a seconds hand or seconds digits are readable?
11:01
